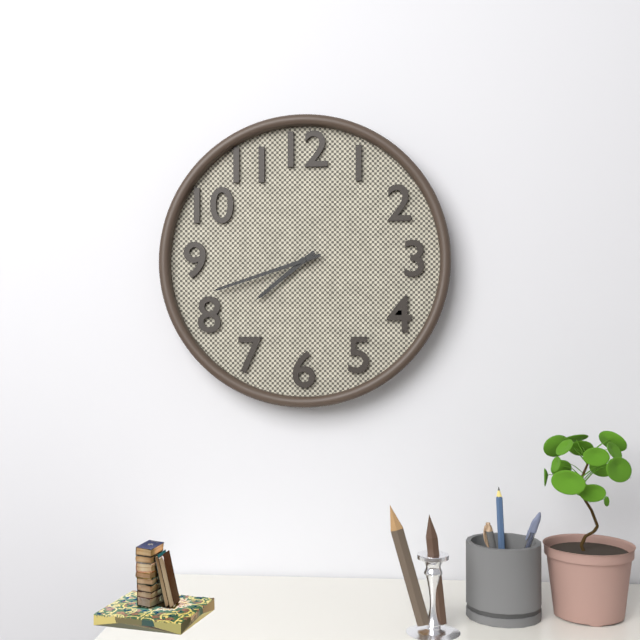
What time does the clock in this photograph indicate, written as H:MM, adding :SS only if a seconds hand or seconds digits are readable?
7:42
